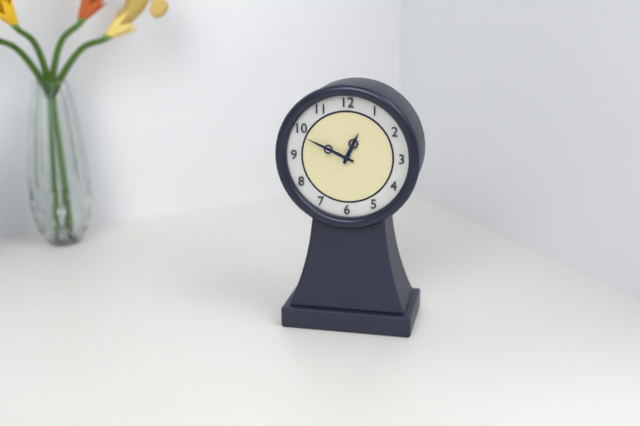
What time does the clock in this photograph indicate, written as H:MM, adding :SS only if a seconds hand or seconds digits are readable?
12:49
